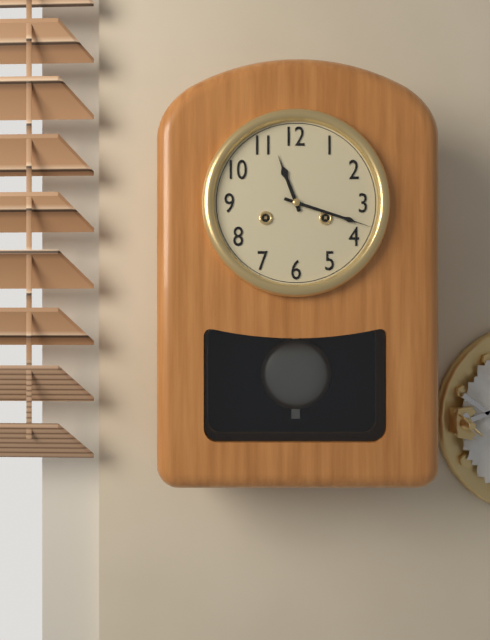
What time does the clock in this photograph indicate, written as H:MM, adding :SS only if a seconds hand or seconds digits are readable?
11:18
